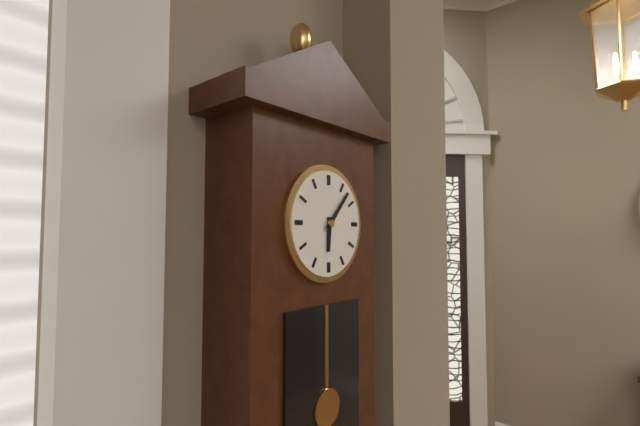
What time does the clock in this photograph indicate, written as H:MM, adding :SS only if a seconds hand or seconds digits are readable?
6:07
